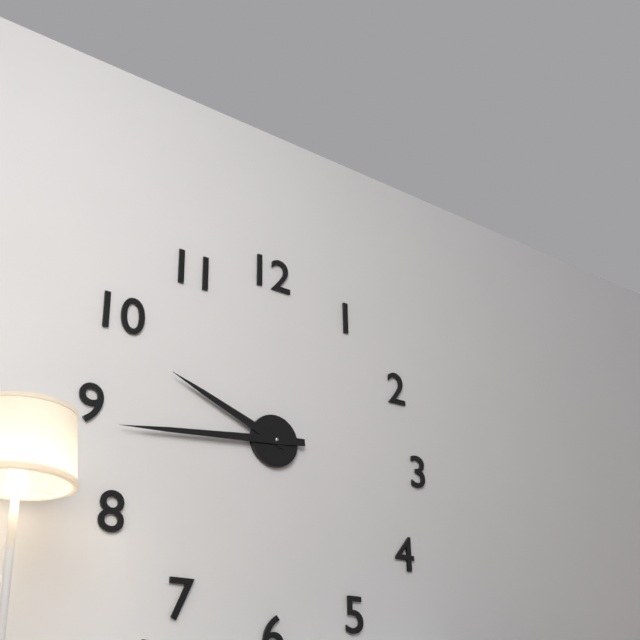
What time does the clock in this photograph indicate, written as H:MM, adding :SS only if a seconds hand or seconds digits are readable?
9:44
